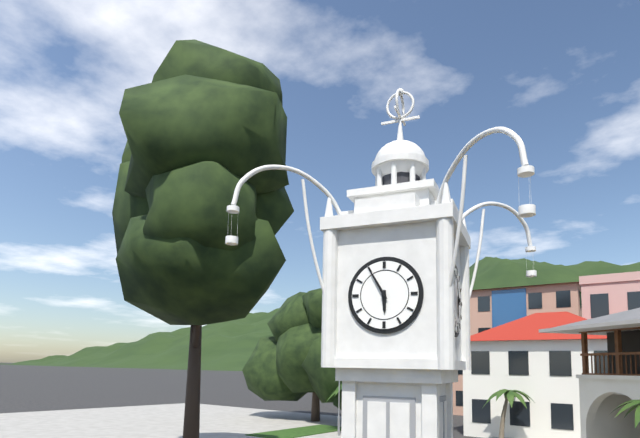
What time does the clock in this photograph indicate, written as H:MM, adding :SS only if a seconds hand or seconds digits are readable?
5:55
